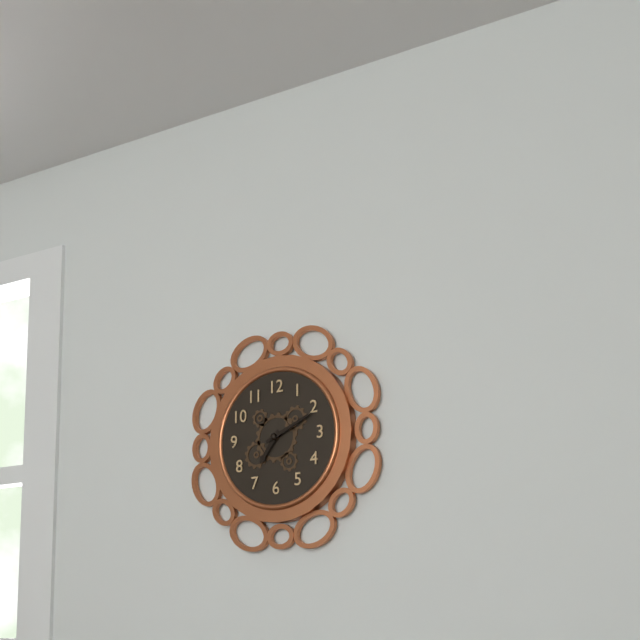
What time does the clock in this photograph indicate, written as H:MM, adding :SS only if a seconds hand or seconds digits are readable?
7:11
